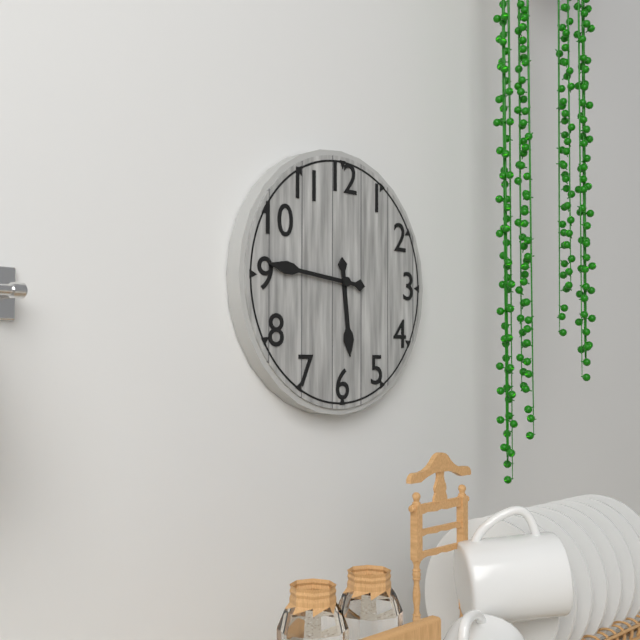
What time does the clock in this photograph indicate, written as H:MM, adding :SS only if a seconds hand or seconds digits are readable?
5:46
